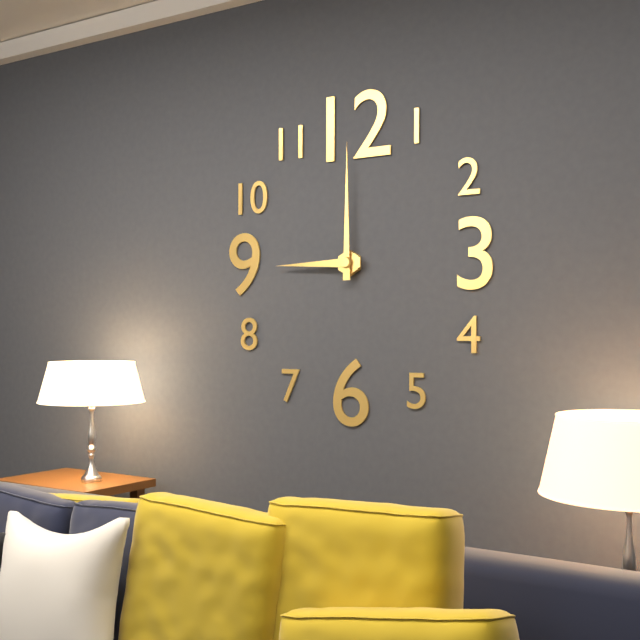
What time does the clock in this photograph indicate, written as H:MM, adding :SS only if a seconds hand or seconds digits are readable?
9:00
